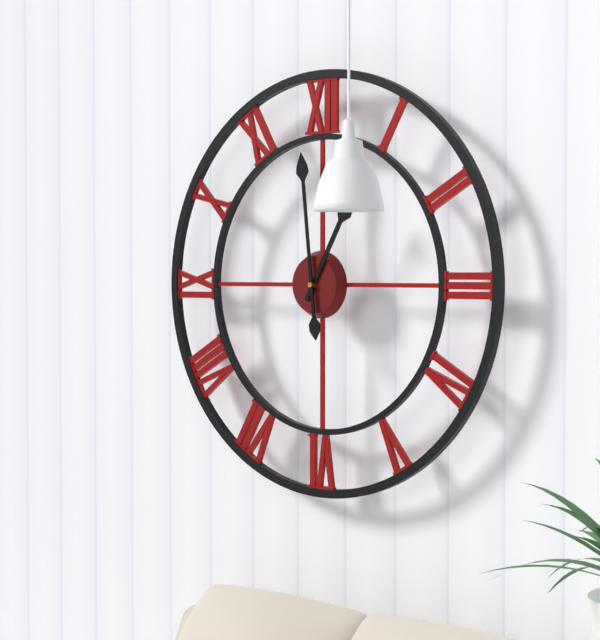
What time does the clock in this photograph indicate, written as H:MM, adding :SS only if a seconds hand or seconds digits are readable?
12:59
